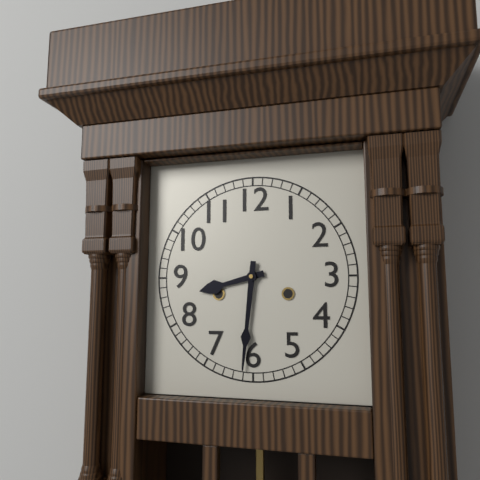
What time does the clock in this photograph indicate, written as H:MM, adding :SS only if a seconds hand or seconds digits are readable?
8:31
